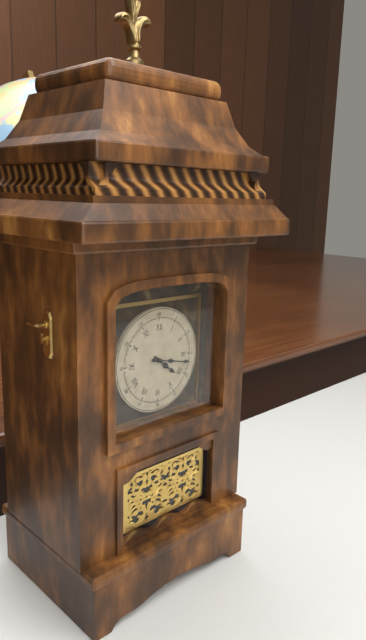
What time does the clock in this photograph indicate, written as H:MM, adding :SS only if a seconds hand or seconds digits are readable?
4:17
